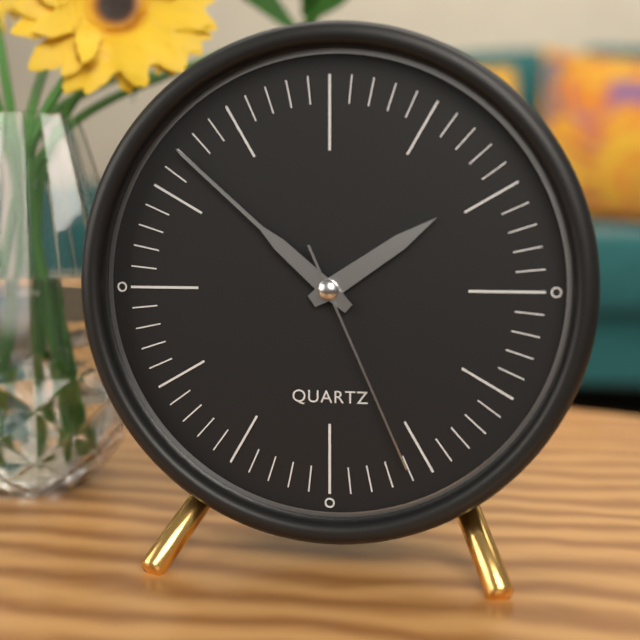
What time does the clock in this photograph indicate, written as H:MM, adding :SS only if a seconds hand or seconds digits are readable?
1:52:26
